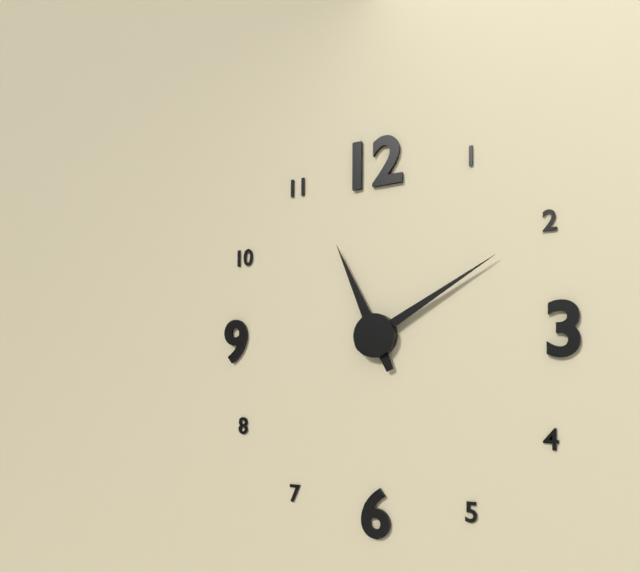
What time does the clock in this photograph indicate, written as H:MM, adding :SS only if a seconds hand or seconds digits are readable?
11:10
